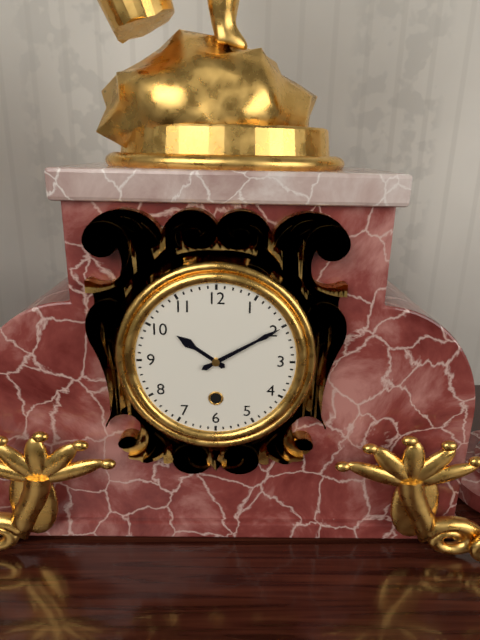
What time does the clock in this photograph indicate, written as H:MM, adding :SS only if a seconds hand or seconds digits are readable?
10:10
